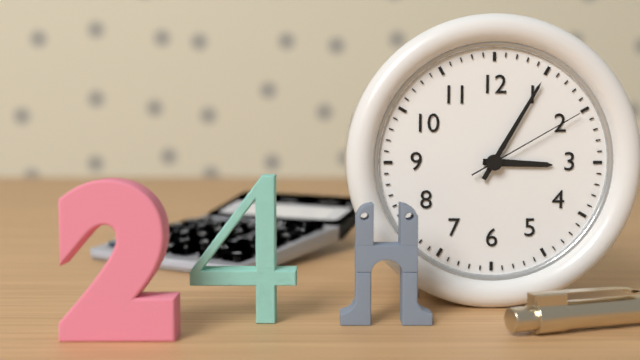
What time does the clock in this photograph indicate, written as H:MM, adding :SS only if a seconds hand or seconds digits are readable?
3:05:10
